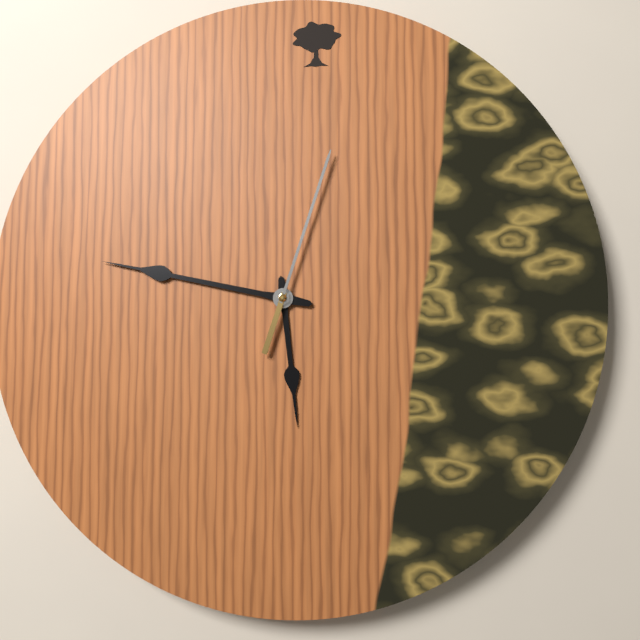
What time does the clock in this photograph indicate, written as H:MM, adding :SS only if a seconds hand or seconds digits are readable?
5:47:03
